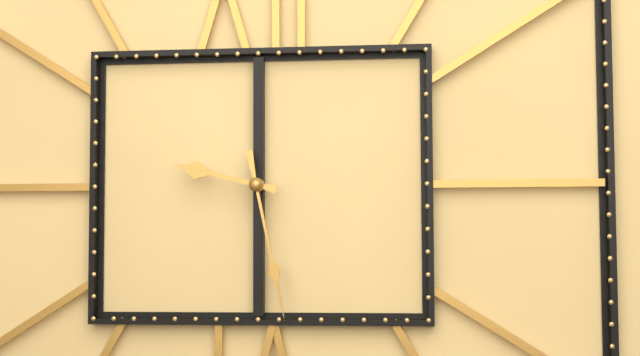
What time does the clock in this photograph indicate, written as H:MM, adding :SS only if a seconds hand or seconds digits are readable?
9:28
